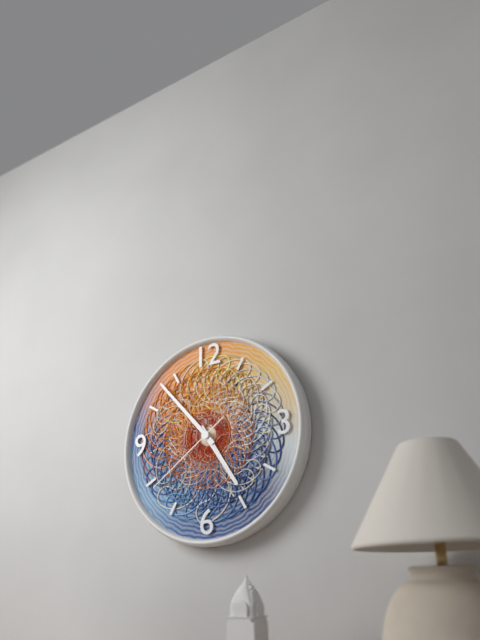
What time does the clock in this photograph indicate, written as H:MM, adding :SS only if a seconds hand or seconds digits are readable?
4:53:39
